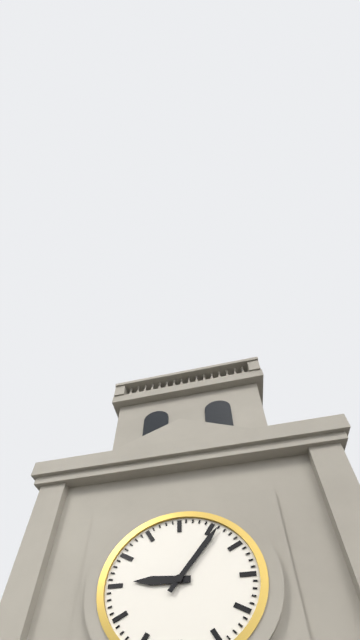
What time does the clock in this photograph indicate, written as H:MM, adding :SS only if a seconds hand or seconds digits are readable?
9:06
